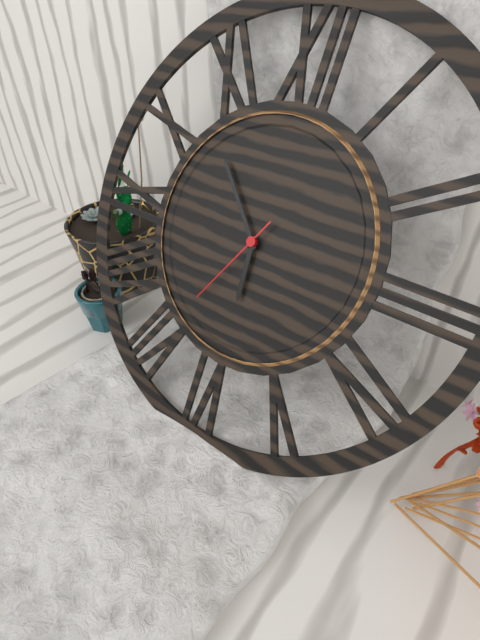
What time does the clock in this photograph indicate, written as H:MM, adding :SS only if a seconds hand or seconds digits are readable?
5:53:35
